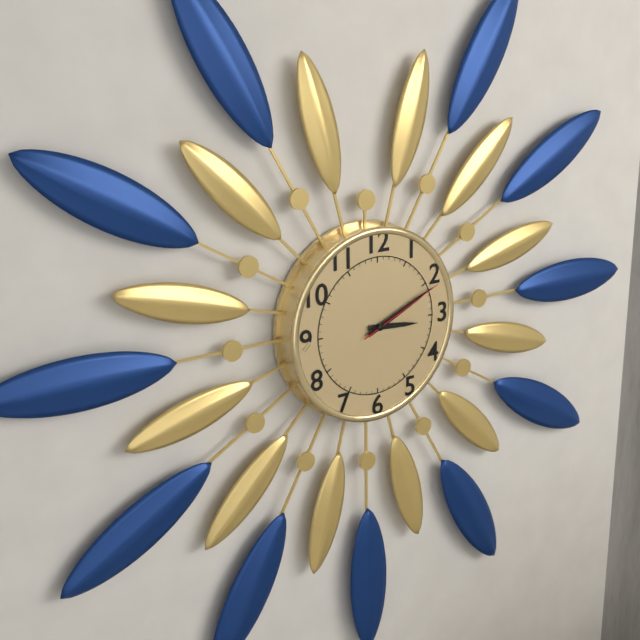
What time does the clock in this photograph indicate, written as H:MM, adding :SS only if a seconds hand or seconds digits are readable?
3:11:11
